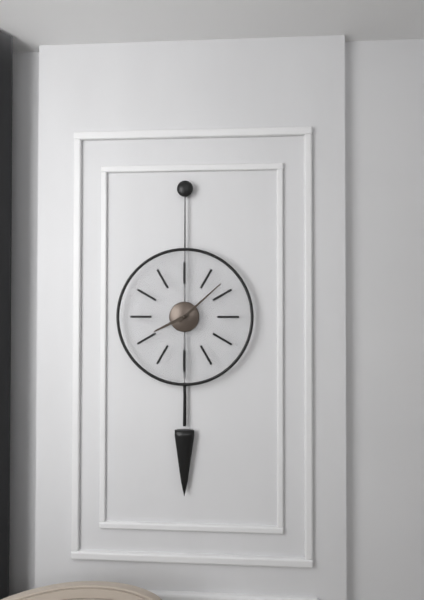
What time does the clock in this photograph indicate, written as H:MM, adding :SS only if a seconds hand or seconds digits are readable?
8:08
